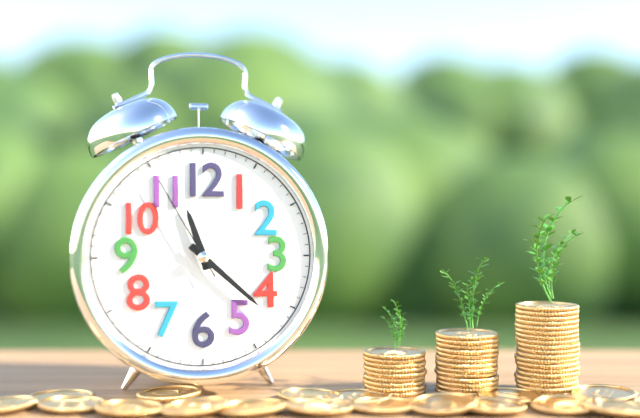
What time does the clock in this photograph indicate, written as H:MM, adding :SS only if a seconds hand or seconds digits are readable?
11:22:55
